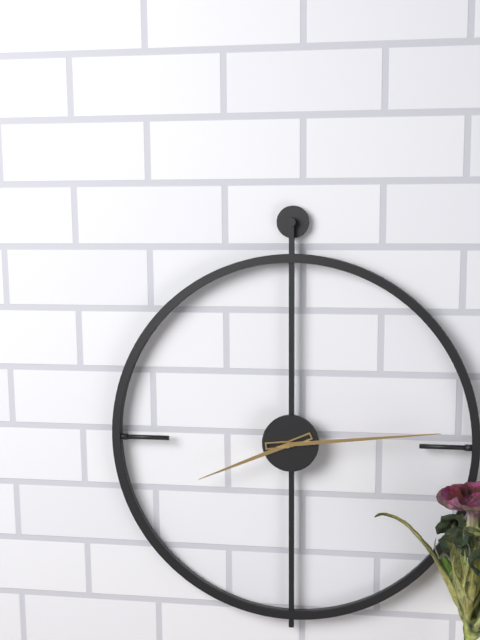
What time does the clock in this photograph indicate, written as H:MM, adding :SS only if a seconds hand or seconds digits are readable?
8:14
